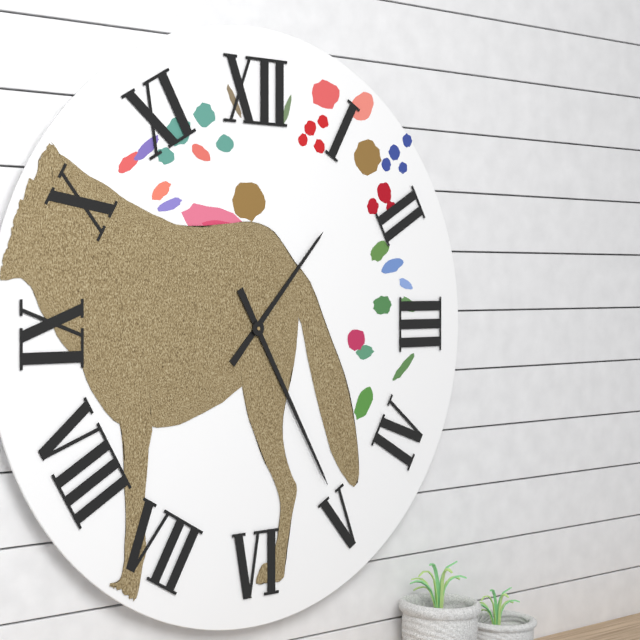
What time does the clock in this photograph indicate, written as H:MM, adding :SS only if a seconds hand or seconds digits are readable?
1:25
